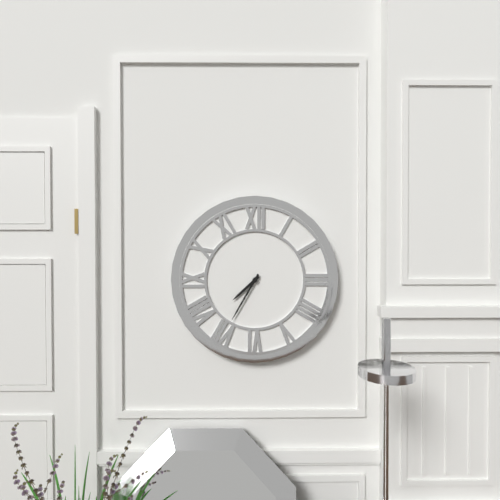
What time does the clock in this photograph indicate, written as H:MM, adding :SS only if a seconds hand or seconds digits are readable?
7:35
